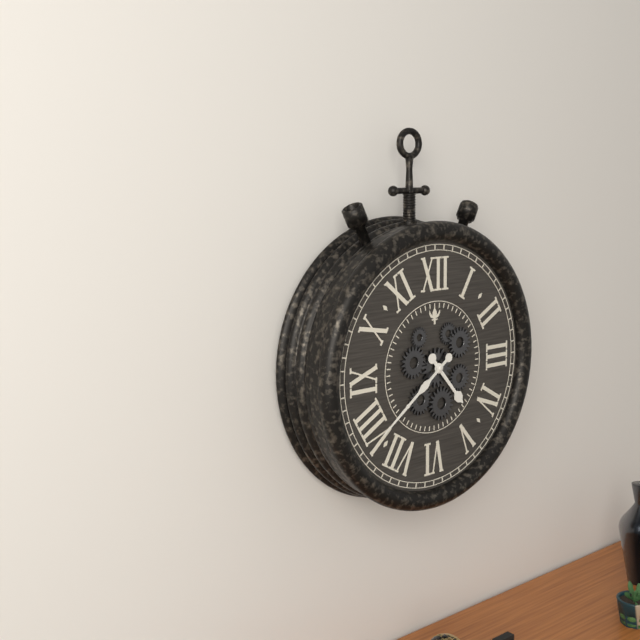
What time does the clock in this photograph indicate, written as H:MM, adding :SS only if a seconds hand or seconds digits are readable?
4:39
